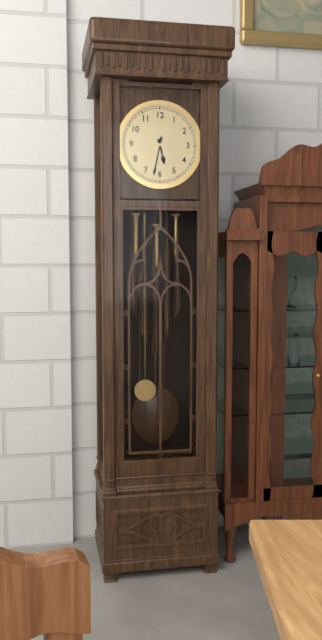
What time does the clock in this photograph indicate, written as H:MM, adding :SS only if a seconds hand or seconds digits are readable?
5:32
